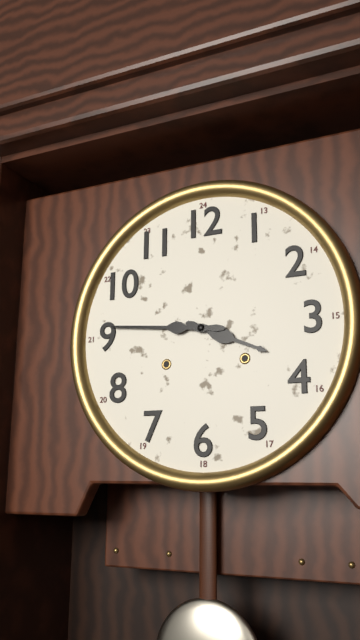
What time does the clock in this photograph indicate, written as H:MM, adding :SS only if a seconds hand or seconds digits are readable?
3:46
